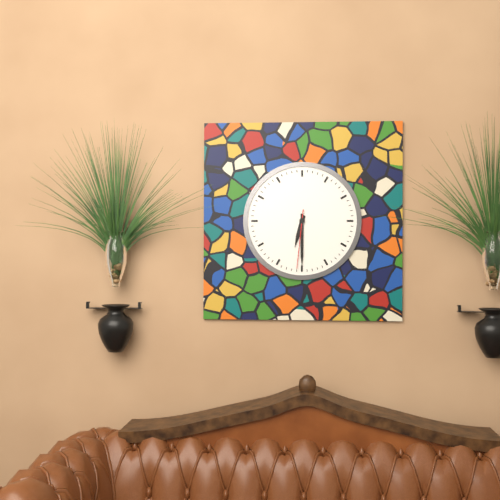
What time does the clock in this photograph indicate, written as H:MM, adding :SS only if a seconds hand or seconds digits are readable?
6:30:31
